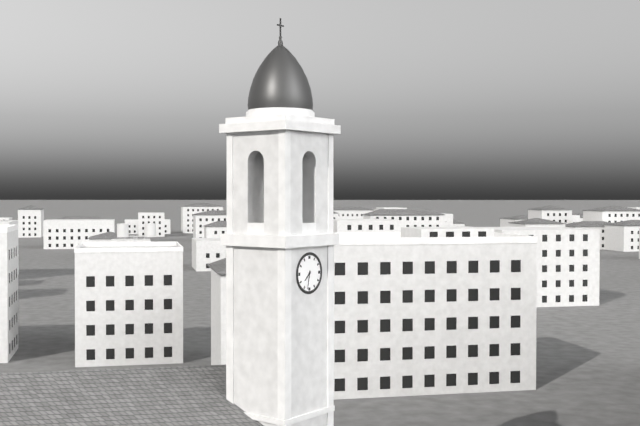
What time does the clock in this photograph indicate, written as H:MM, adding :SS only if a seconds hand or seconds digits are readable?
7:32
